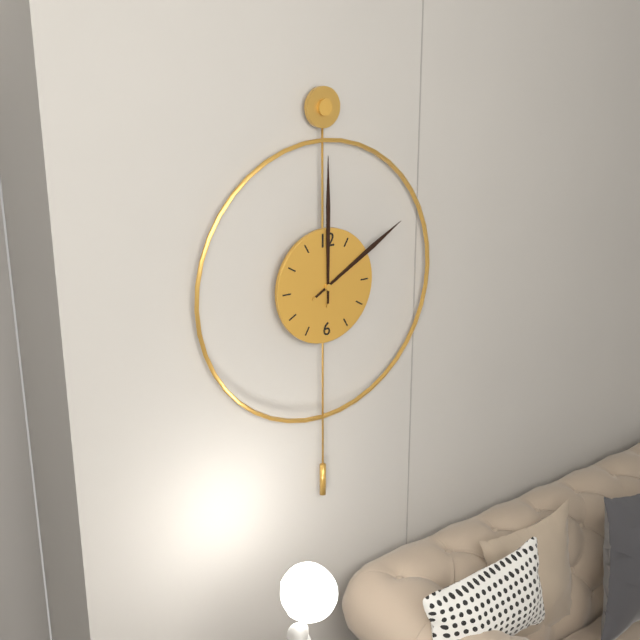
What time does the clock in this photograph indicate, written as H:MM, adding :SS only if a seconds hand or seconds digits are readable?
2:00
